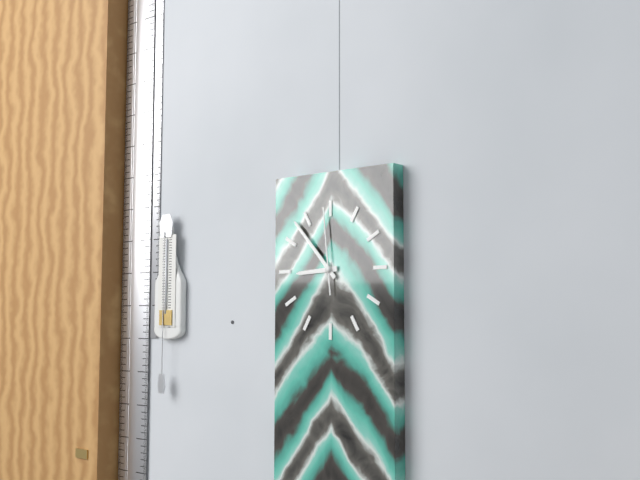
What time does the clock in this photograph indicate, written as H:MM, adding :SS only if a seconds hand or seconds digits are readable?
8:53:59
